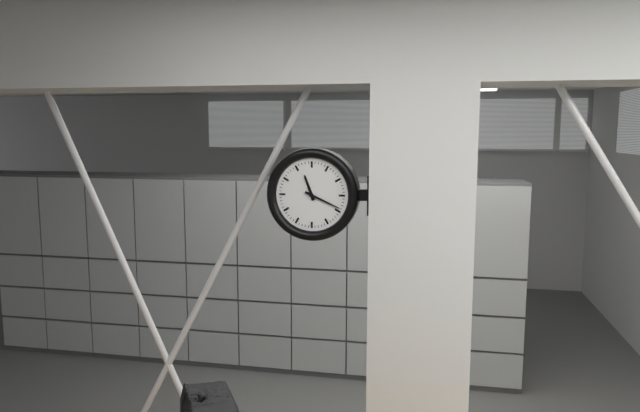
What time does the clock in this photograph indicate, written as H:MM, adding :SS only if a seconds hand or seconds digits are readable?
11:19
